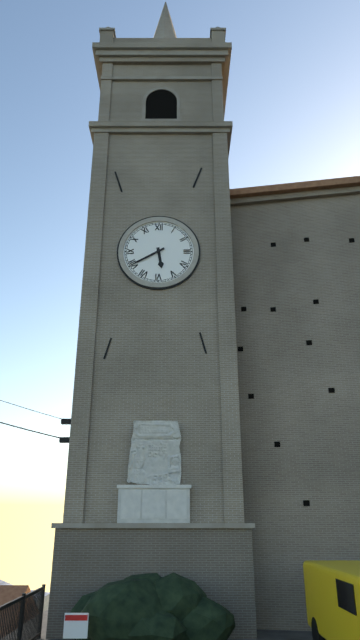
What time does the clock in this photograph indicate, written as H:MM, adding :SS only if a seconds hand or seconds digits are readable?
5:40
